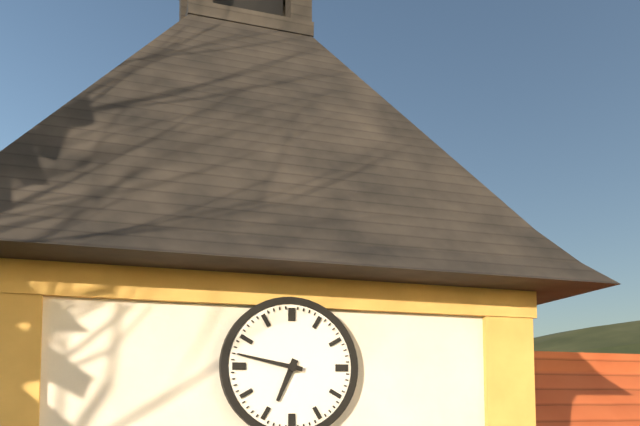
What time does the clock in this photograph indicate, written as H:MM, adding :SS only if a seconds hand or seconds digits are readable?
6:47
